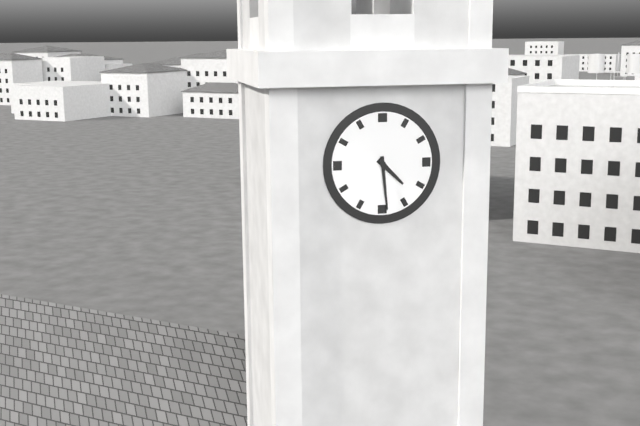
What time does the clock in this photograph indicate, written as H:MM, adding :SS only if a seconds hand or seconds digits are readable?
4:29
